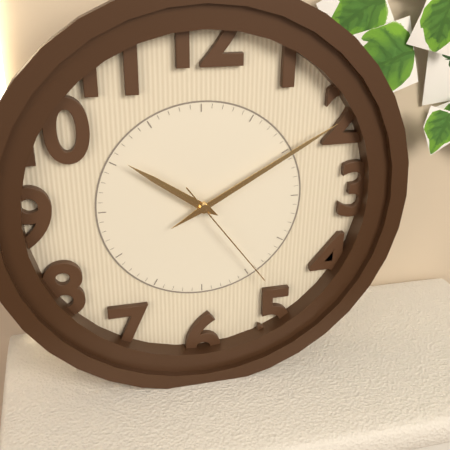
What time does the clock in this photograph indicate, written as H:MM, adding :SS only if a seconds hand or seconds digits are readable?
10:10:24
